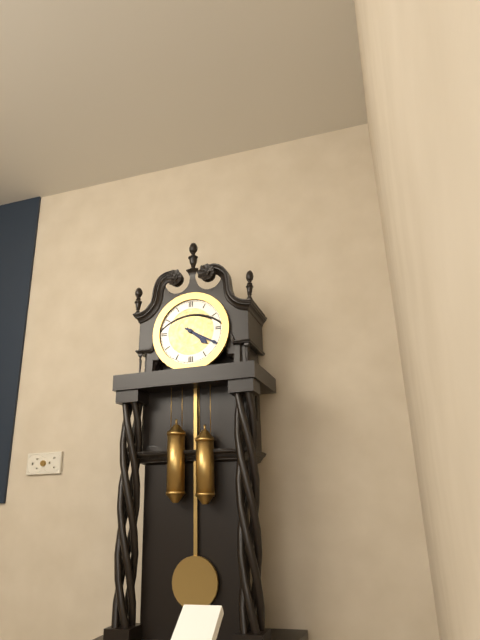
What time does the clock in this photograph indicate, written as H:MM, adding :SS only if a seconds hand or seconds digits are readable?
4:20
